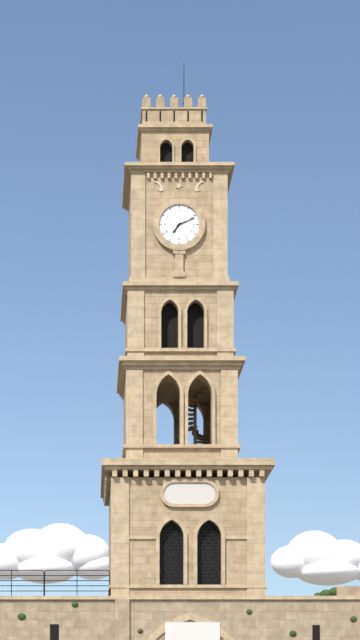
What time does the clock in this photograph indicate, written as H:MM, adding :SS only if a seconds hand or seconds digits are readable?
7:11
